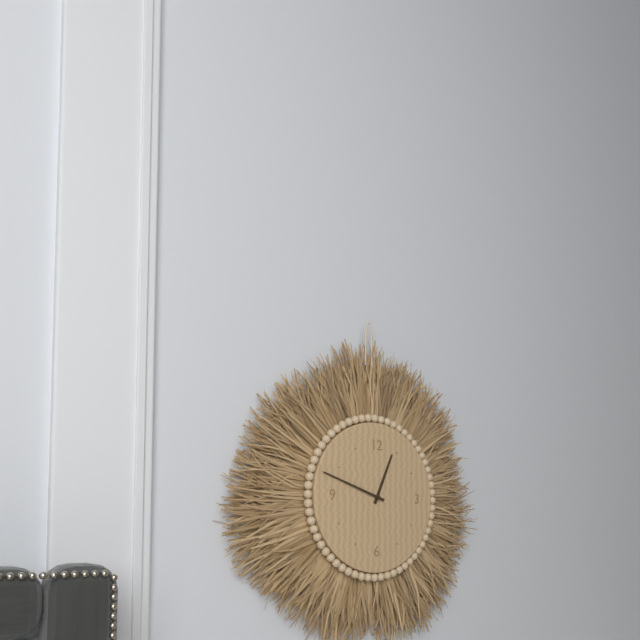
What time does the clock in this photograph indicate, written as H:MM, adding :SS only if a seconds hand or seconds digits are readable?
12:48
